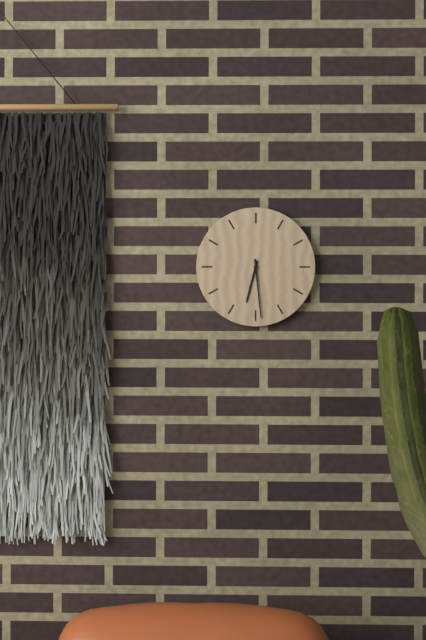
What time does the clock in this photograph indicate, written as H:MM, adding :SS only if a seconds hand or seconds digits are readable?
6:29
